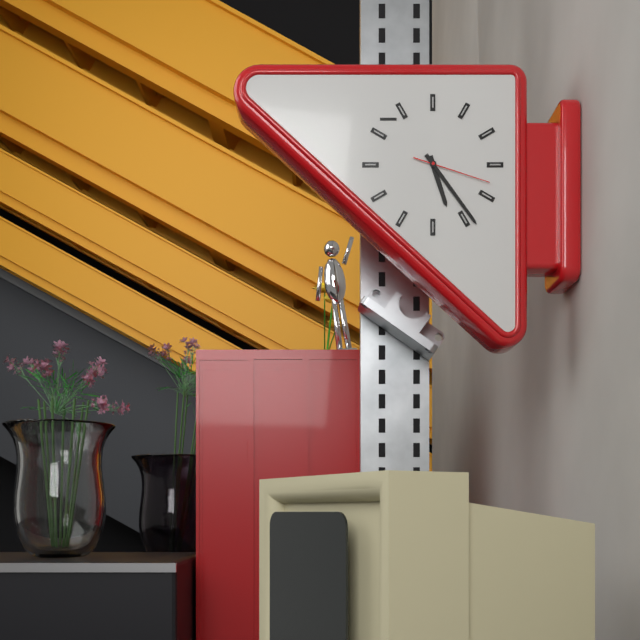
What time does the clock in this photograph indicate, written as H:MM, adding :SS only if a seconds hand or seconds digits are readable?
5:24:18
